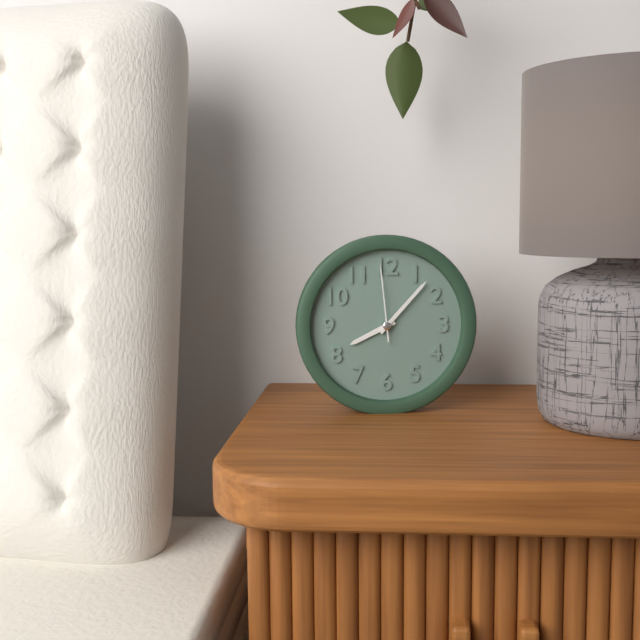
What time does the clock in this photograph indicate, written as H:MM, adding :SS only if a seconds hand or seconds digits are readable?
8:07:59
